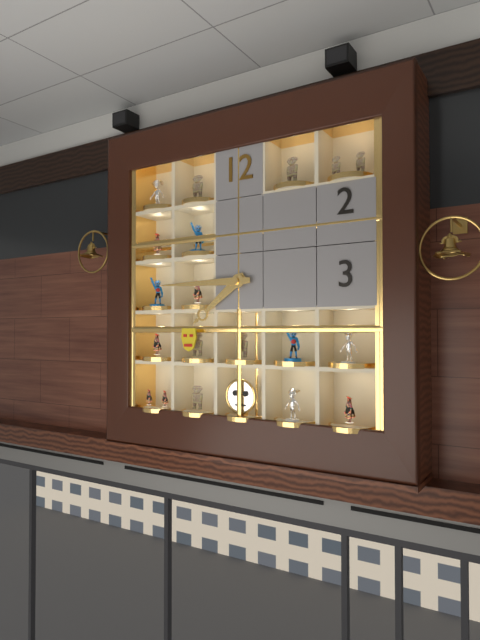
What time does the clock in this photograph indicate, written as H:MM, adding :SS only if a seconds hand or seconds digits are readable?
7:45
